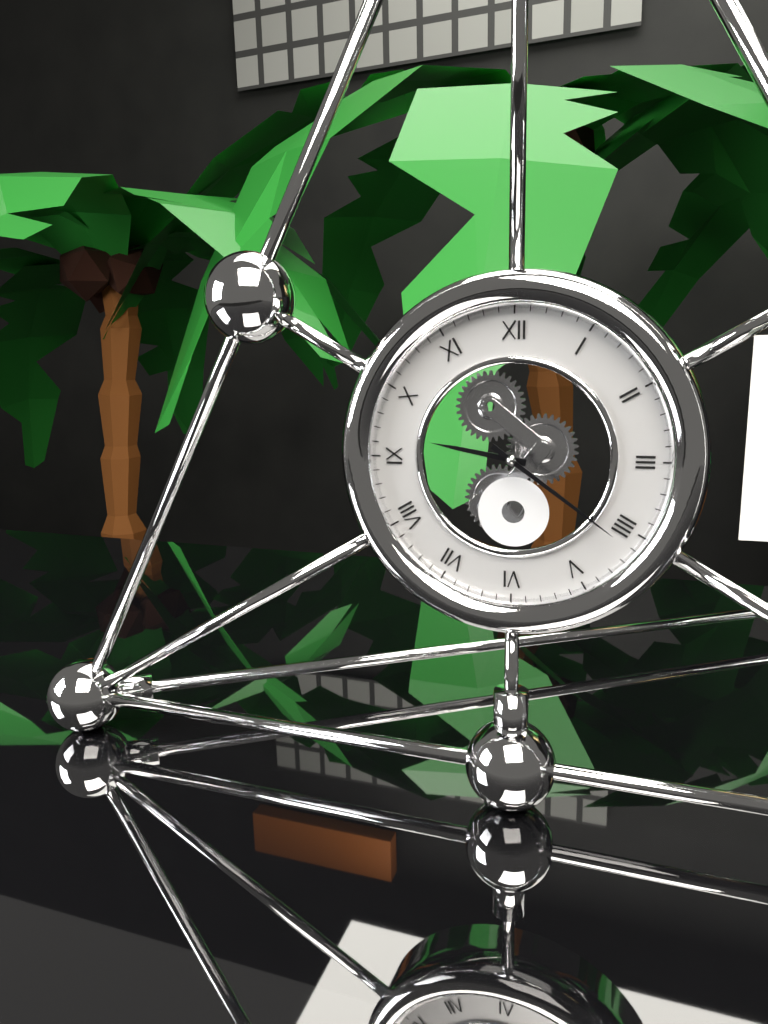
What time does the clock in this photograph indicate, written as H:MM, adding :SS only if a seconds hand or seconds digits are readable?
9:21
